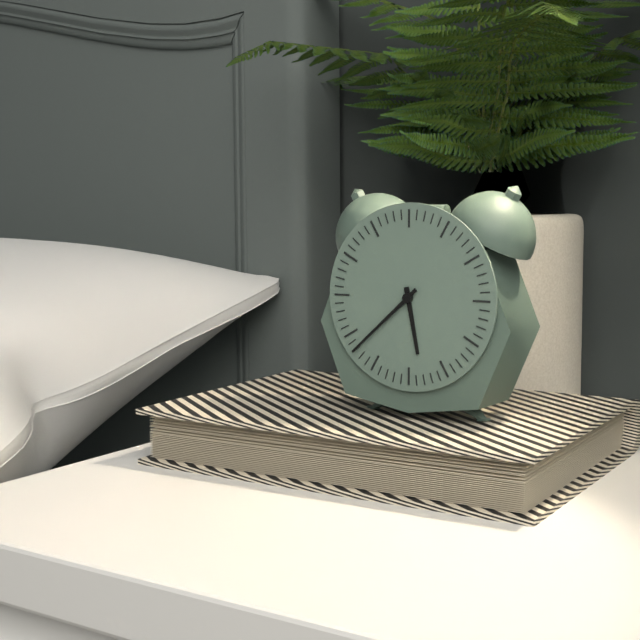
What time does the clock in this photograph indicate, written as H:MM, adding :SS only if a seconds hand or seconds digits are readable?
5:38
